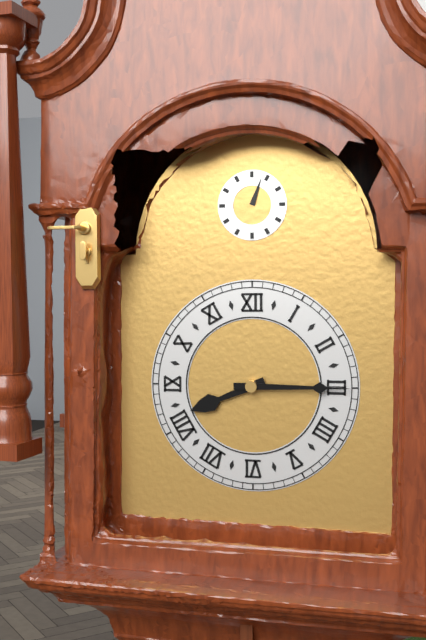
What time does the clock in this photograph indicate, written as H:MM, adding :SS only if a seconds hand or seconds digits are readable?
8:15
